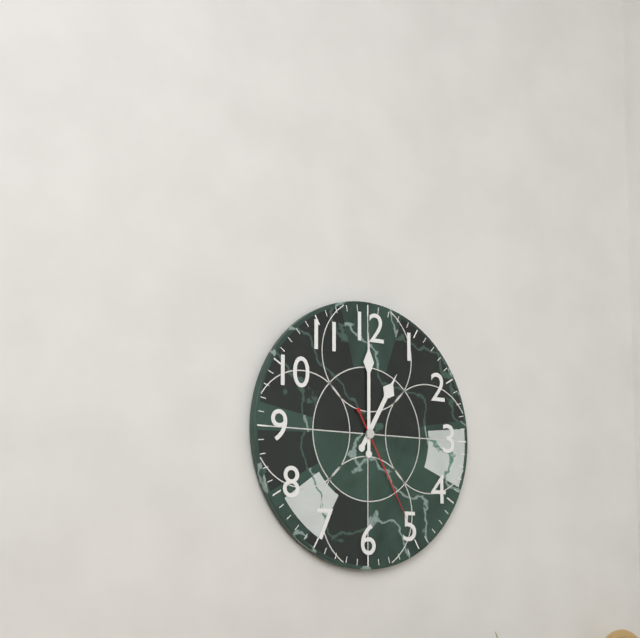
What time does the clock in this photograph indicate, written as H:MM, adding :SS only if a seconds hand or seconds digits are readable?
1:00:25
